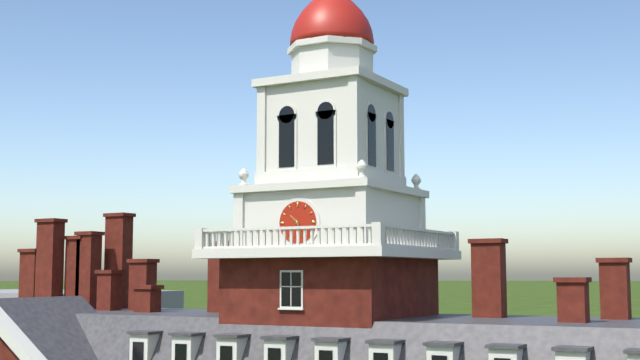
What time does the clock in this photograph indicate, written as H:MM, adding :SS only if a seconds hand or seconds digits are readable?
10:26
